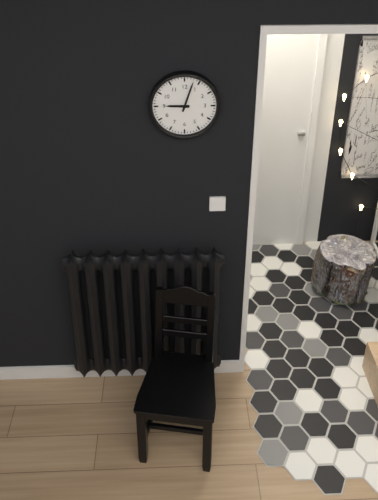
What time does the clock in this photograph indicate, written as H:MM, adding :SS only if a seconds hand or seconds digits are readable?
9:03
